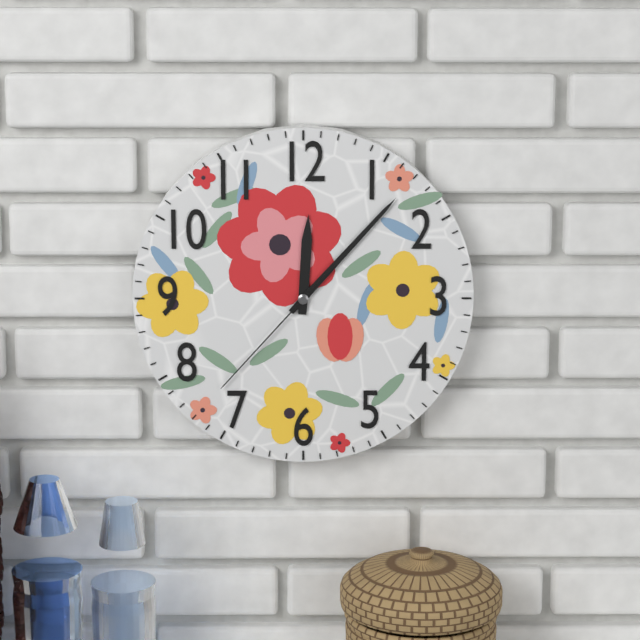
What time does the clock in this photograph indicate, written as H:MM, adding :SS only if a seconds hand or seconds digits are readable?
12:07:37
